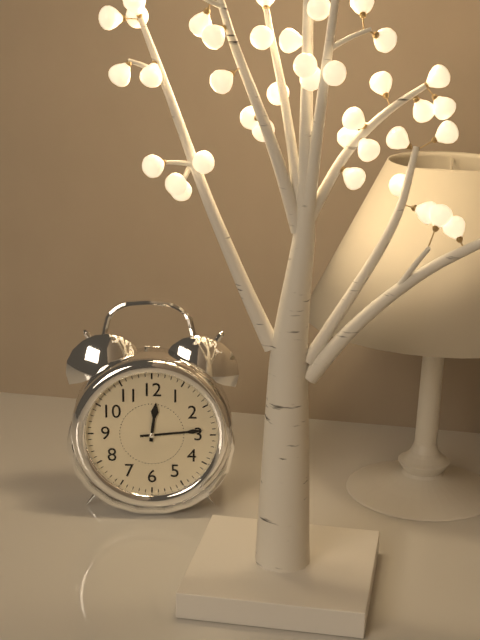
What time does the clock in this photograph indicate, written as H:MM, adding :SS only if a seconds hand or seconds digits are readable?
12:14
